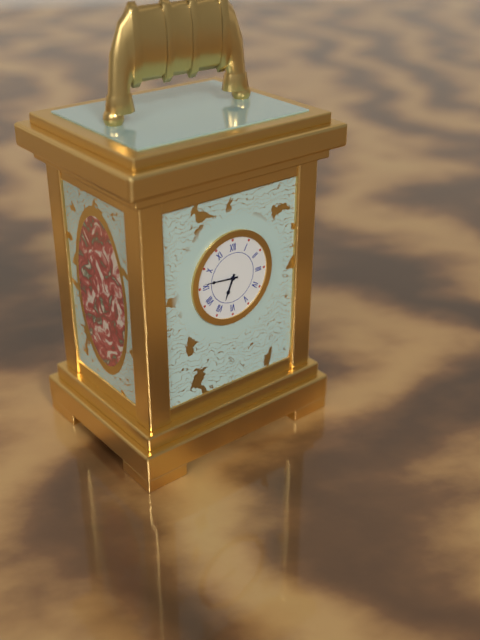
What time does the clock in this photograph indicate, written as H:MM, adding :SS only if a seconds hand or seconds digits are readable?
6:46
